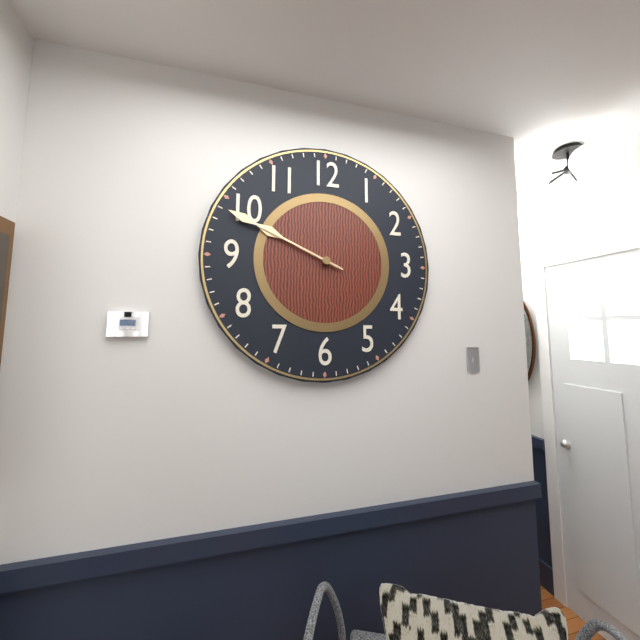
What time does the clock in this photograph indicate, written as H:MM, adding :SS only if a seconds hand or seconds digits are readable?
9:49
